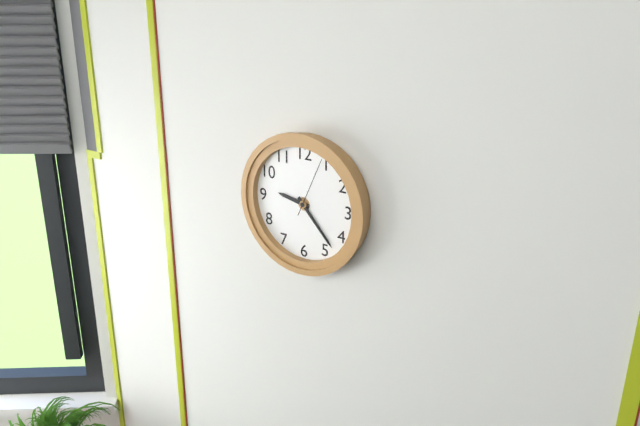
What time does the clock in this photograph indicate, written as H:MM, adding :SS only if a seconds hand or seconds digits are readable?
9:23:04
